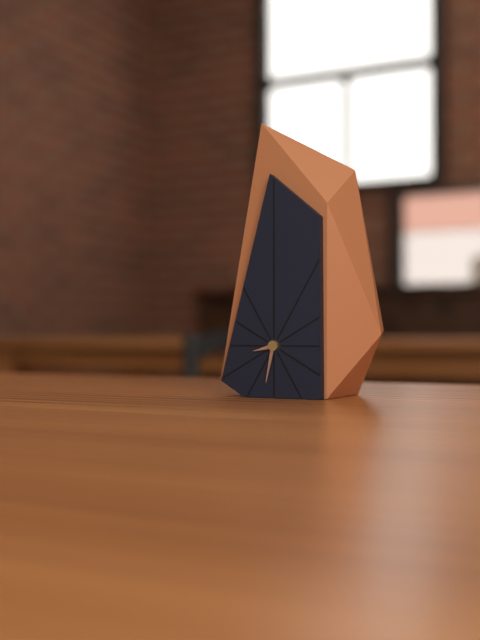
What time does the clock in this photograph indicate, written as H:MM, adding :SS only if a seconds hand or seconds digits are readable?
8:32
